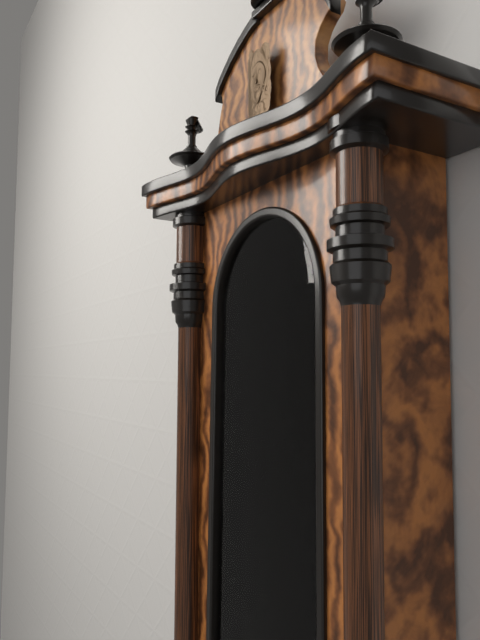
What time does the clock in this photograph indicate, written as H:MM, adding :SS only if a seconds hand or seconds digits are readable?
6:13
